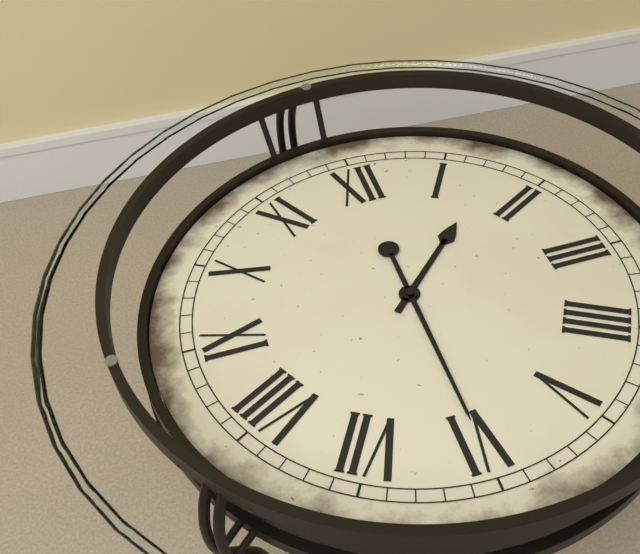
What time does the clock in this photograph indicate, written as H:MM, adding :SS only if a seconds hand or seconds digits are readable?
1:30
